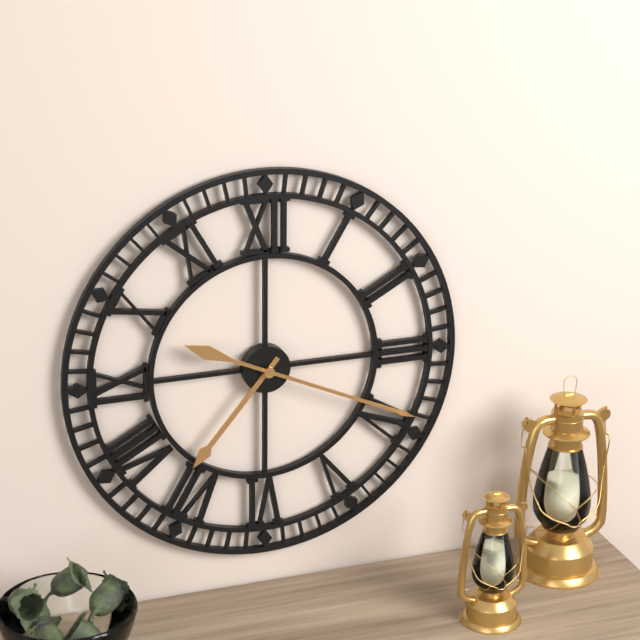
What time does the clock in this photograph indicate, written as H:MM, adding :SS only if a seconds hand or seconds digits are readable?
7:19
